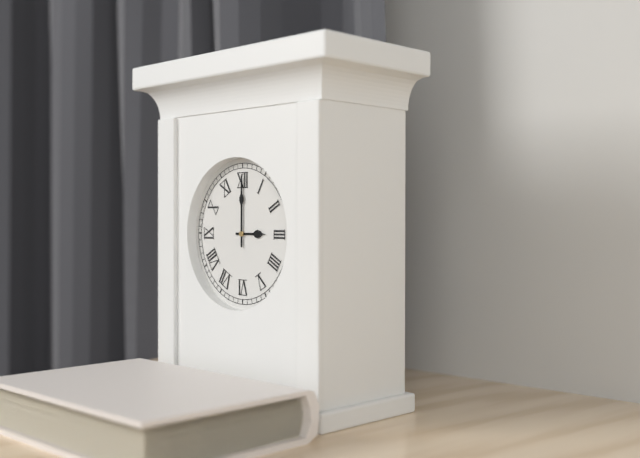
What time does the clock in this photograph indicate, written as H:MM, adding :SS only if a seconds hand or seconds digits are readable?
3:00
